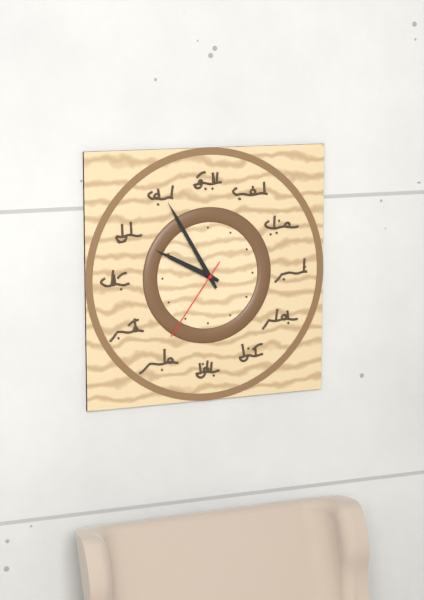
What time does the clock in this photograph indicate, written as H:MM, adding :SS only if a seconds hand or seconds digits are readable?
9:55:36
